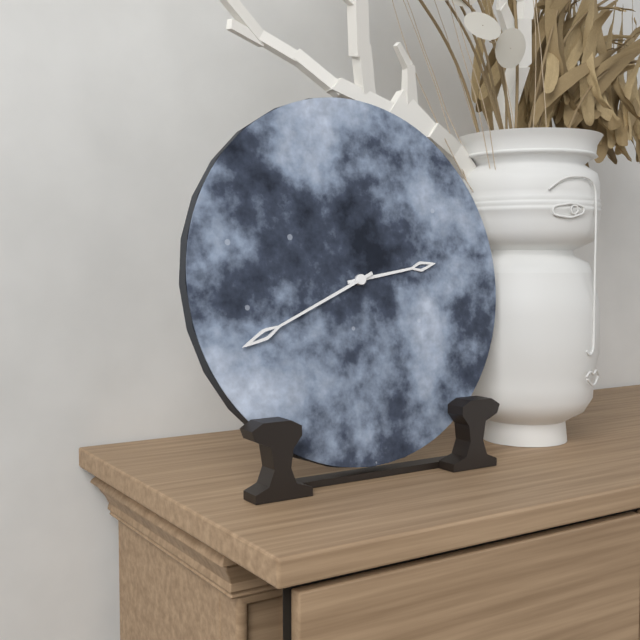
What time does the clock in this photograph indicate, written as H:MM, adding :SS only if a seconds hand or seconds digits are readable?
2:41
